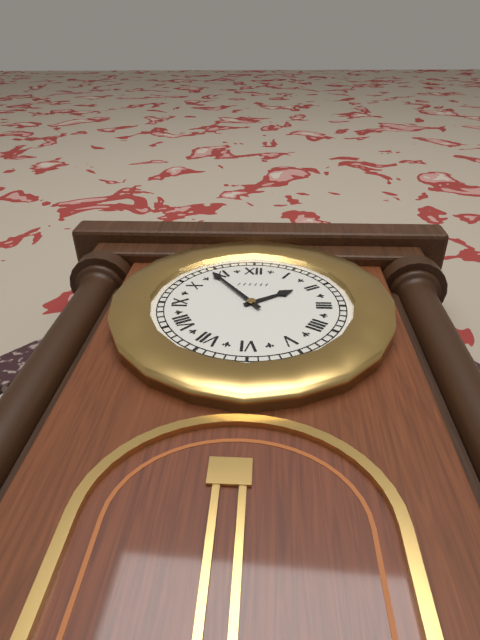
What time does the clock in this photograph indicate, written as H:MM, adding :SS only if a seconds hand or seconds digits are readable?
1:54
